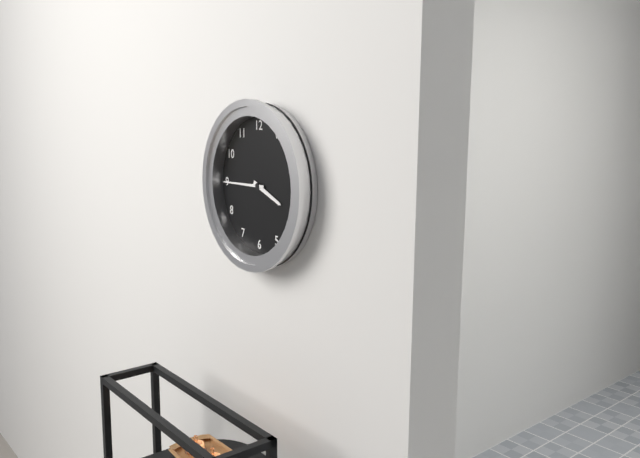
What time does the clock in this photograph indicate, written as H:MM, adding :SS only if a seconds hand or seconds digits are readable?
3:45
